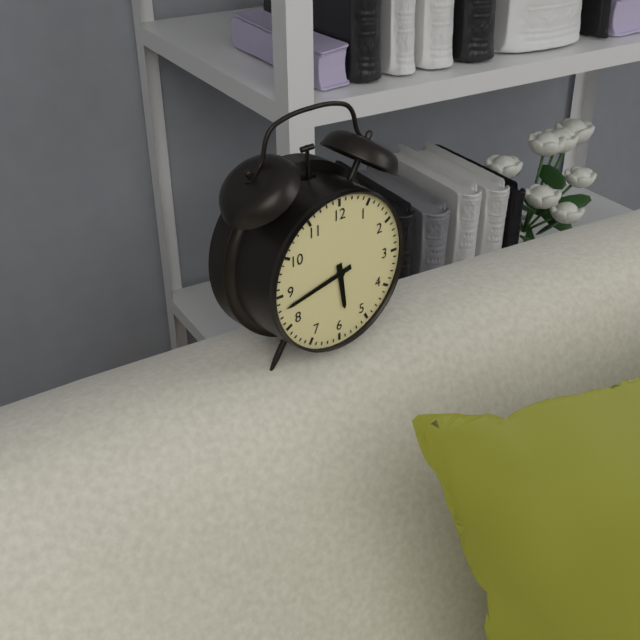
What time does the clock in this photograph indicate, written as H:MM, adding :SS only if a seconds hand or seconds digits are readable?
5:43
